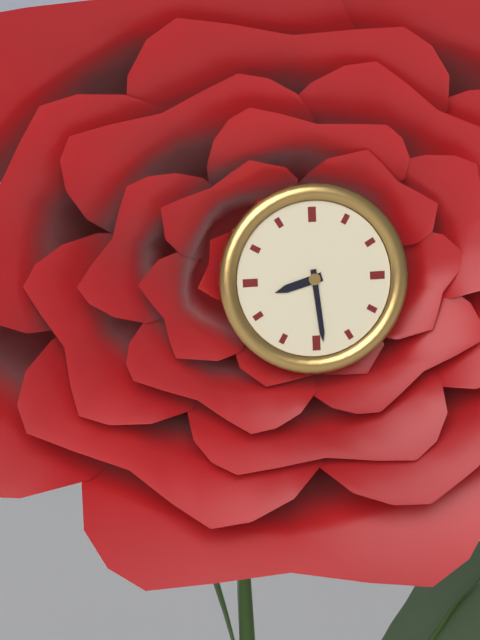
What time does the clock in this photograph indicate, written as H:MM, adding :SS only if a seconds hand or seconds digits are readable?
8:29
